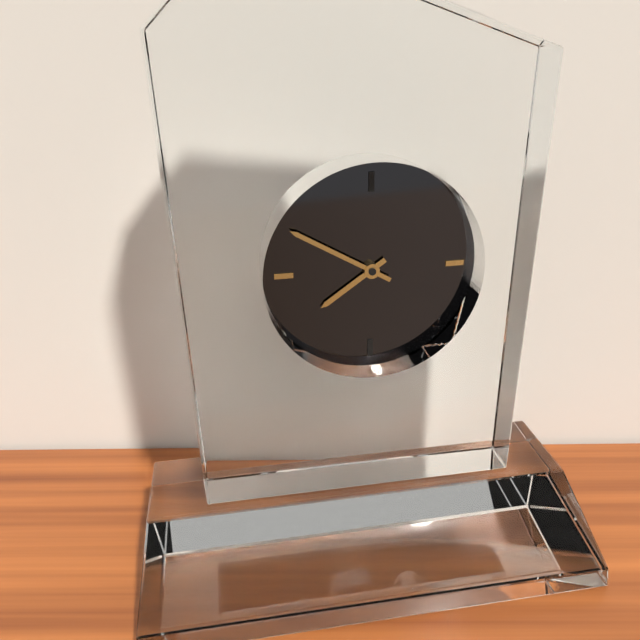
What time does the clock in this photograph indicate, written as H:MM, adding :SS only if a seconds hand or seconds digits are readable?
7:50
